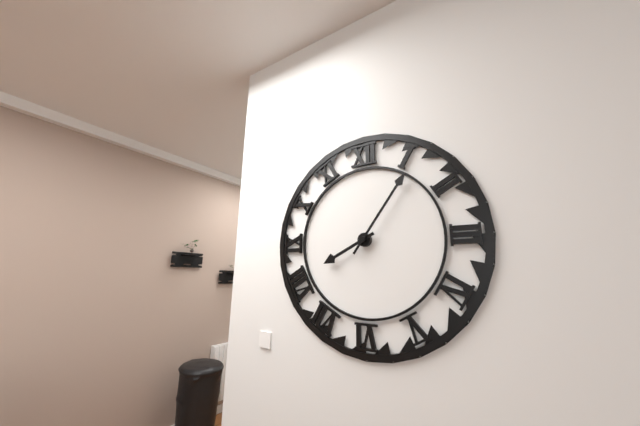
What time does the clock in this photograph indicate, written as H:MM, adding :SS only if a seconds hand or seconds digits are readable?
8:06
